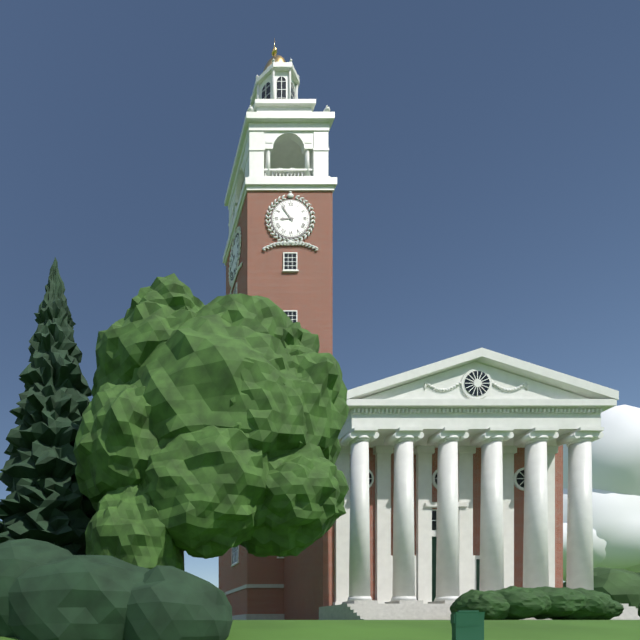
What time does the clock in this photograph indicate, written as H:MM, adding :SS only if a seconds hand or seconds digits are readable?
8:54
